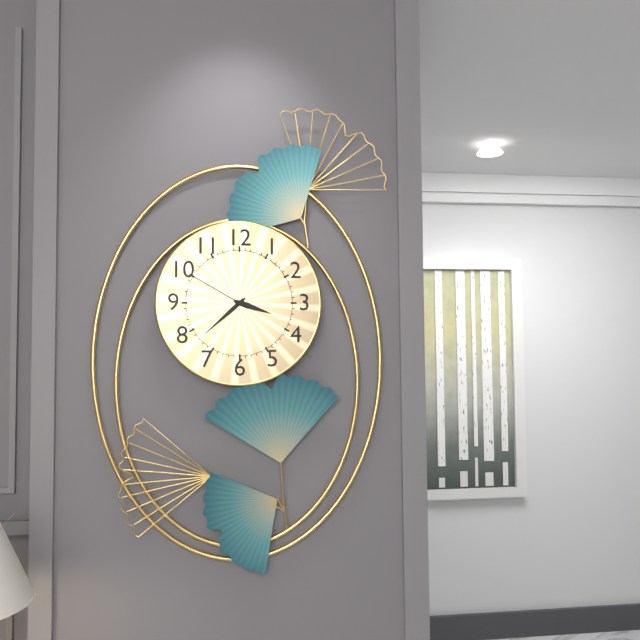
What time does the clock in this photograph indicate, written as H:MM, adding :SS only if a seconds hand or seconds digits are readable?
3:38:50
